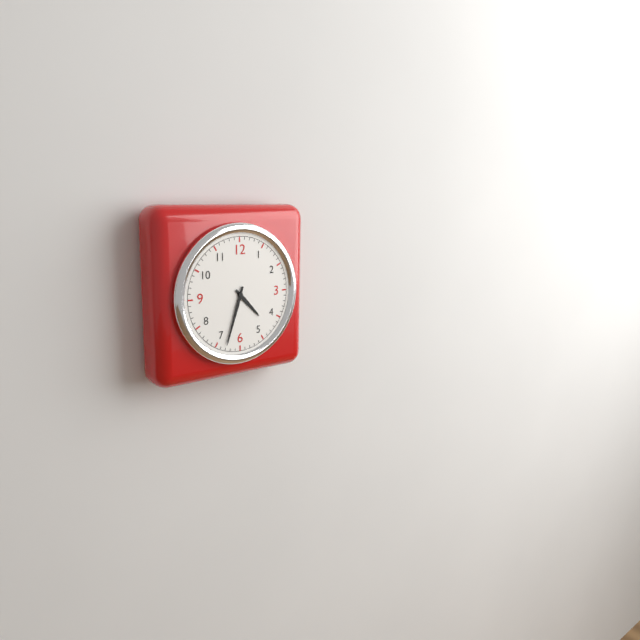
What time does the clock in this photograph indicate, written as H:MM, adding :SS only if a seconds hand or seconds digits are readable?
4:33
